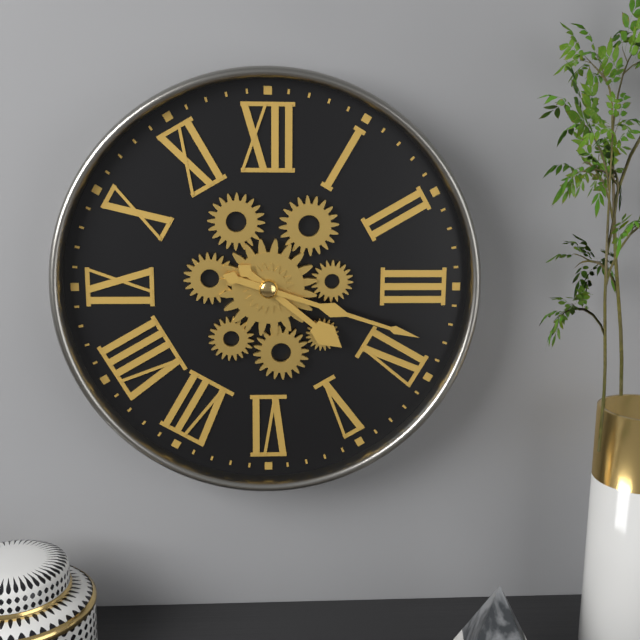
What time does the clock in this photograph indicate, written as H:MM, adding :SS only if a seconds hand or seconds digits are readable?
4:18
